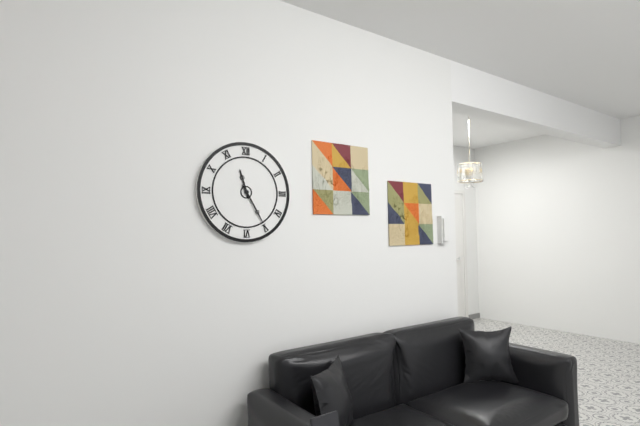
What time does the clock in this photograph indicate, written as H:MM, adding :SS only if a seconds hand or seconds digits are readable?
11:25
